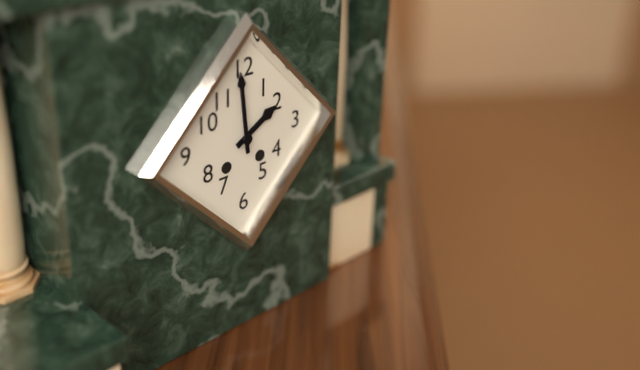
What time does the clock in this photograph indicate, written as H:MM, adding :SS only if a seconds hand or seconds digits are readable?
1:59
